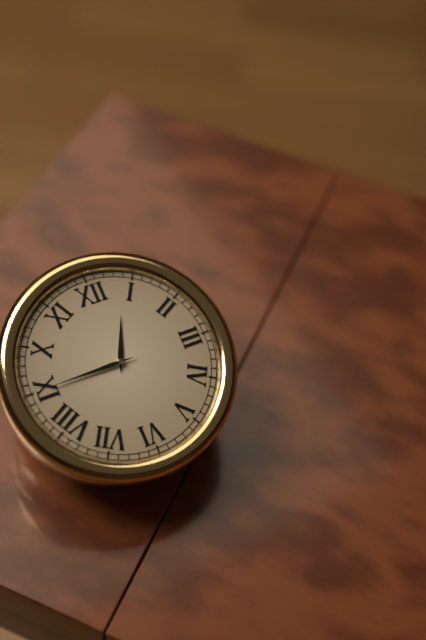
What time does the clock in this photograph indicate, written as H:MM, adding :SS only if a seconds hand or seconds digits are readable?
12:45
